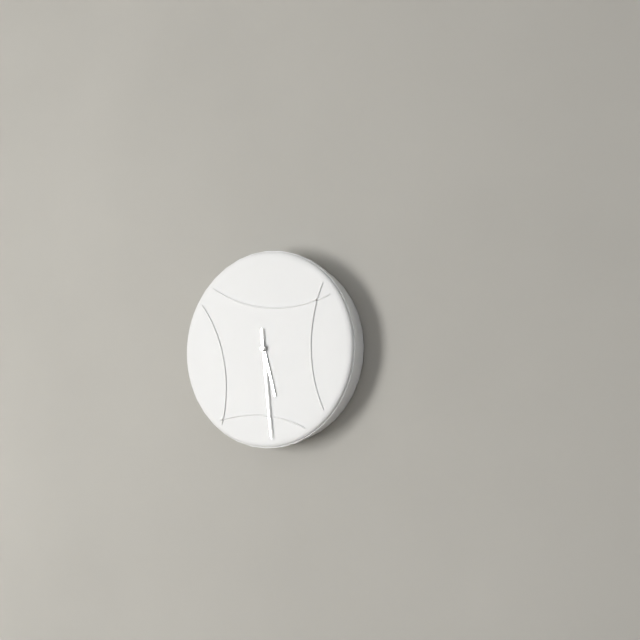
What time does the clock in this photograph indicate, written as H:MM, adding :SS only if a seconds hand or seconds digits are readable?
5:29
